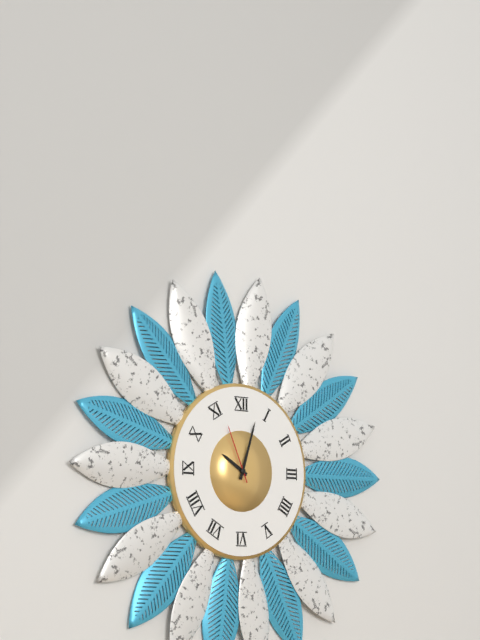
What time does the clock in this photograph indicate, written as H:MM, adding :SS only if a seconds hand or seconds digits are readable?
10:03:56
